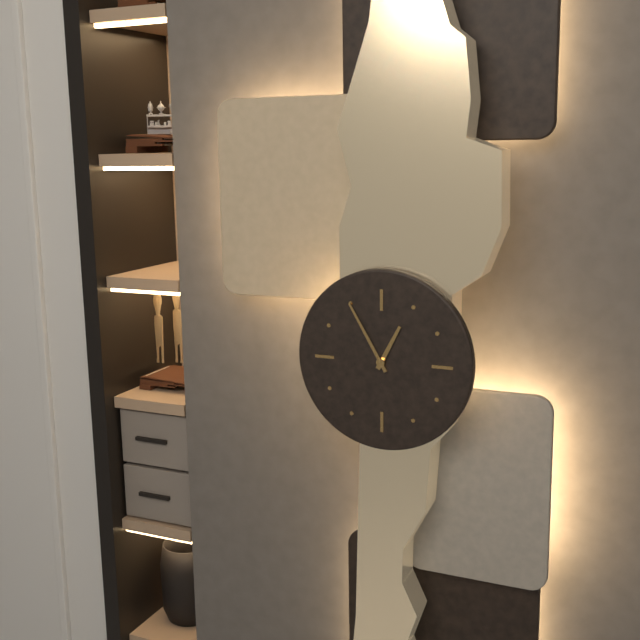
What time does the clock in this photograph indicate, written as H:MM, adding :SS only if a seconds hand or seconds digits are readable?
12:55
